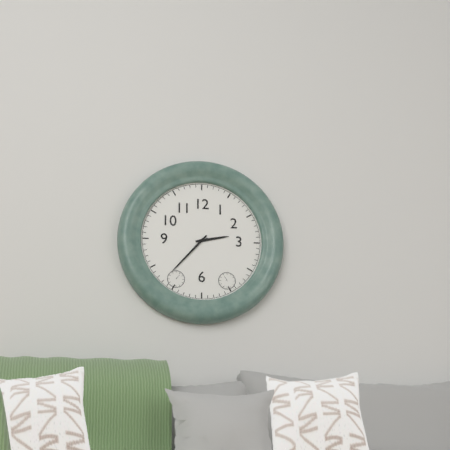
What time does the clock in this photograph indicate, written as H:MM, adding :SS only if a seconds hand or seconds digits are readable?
2:37
